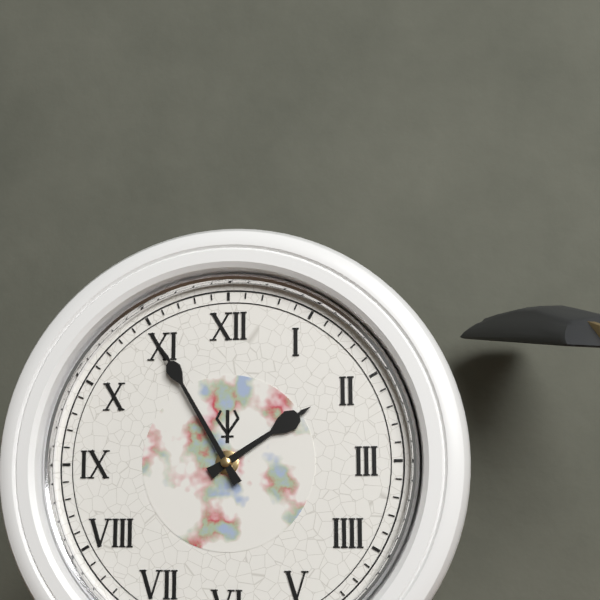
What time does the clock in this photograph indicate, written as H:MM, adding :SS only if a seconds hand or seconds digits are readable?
1:55
